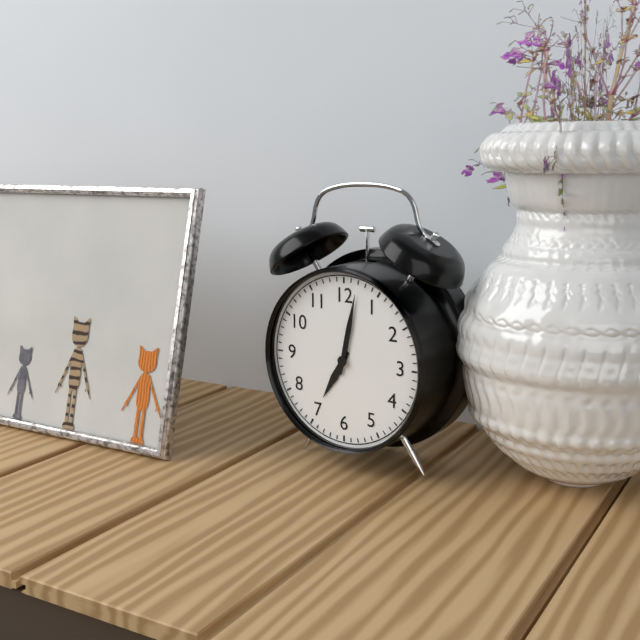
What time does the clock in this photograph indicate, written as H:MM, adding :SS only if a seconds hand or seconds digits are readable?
7:02
